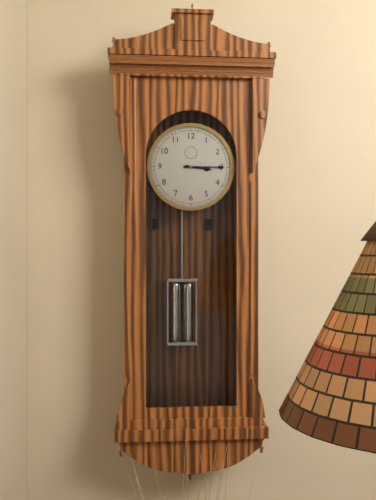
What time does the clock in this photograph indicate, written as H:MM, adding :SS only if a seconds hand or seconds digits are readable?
3:15
